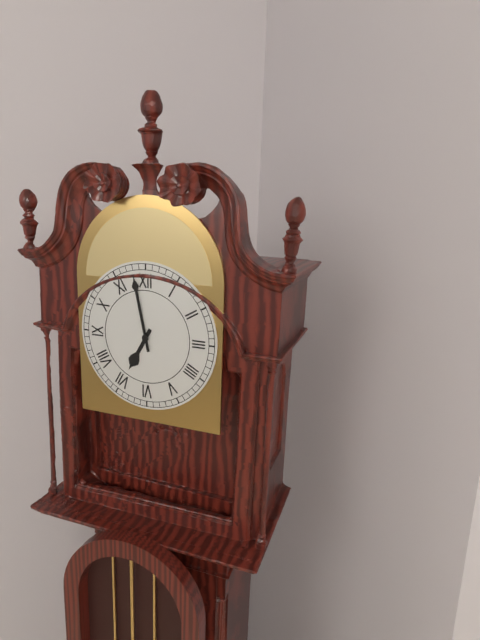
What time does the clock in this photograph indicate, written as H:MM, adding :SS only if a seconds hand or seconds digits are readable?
6:58
